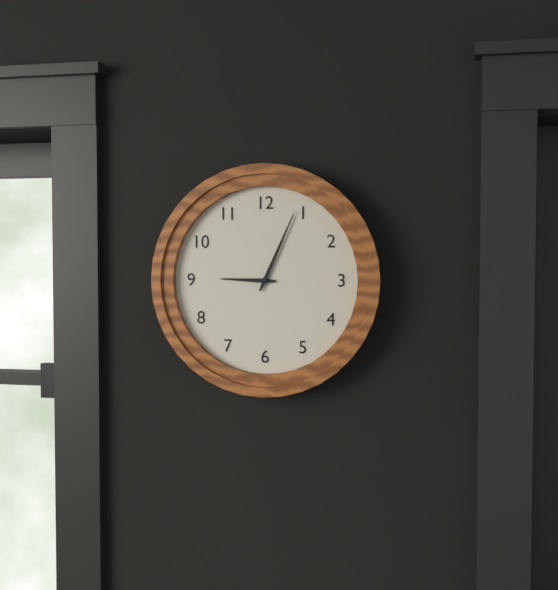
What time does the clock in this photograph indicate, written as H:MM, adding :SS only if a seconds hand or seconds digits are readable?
9:04
